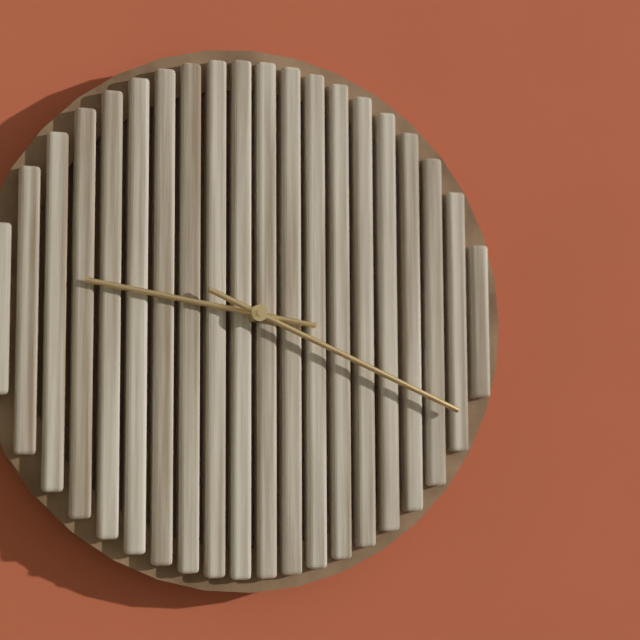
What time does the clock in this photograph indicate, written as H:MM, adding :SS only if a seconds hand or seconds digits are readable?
9:19
